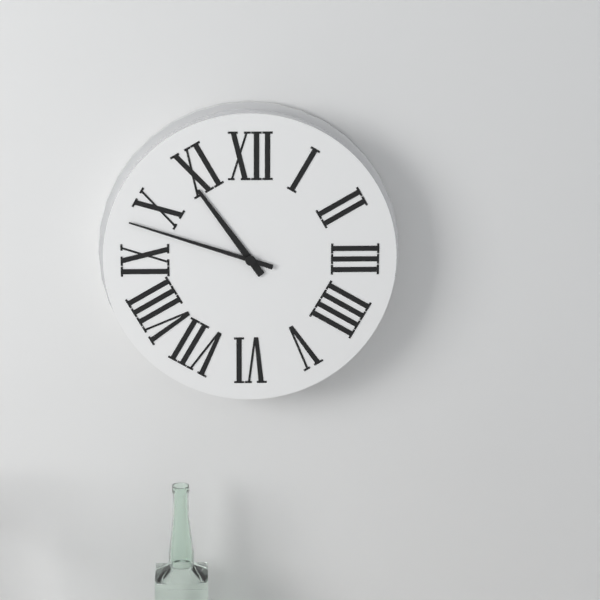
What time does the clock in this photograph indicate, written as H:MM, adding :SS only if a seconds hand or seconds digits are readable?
10:48
